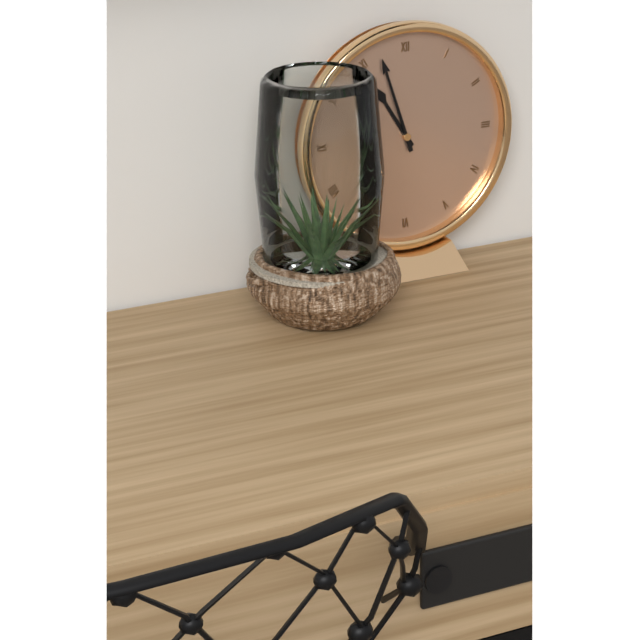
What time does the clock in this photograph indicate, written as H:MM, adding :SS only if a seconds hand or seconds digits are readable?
10:57
